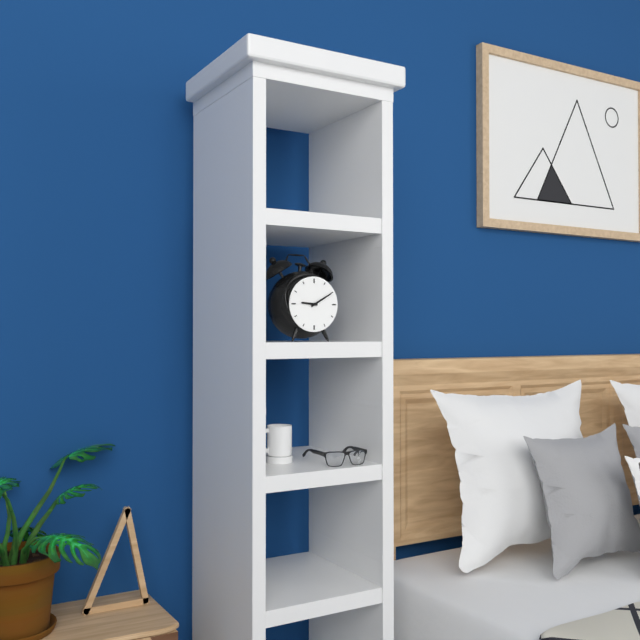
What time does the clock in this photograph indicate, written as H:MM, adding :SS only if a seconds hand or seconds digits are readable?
9:10
